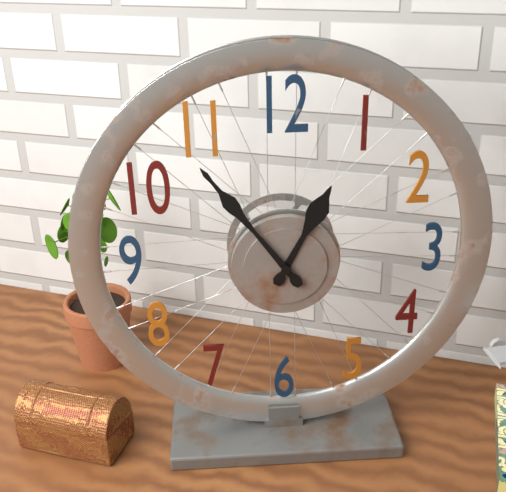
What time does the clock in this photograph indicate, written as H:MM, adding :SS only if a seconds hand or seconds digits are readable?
12:54
